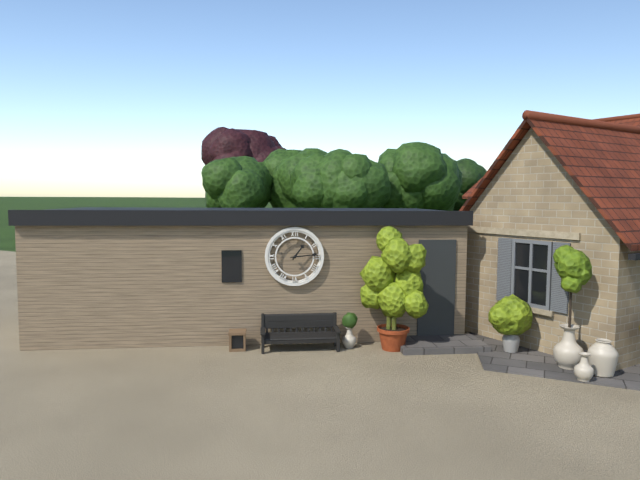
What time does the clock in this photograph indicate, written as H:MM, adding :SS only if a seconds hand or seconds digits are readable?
1:14
